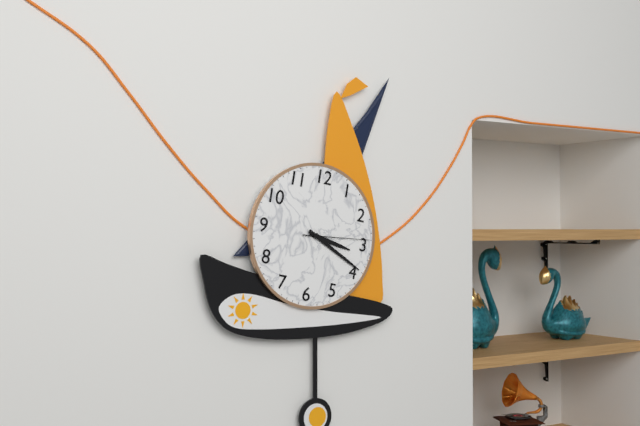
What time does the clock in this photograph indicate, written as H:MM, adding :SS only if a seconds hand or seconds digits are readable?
3:19:14
